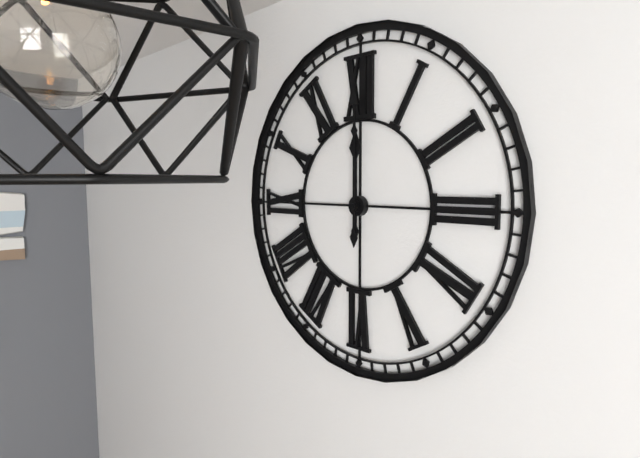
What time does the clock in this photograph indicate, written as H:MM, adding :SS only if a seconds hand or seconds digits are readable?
12:00
